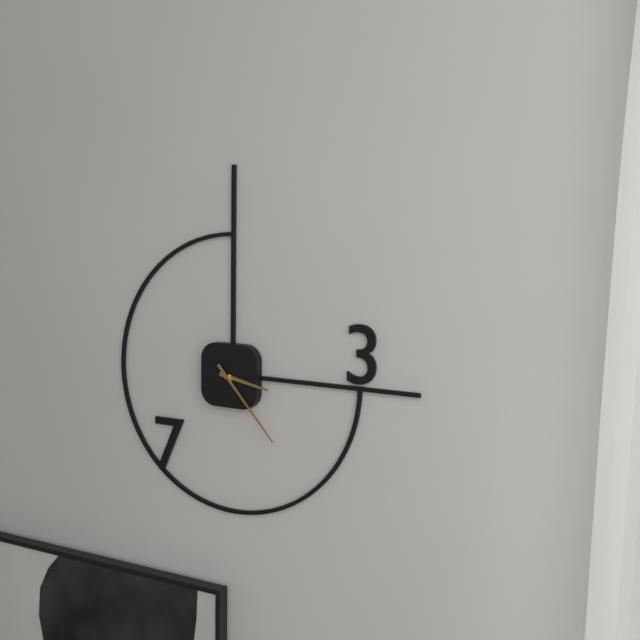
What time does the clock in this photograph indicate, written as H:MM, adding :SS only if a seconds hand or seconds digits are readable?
3:23
